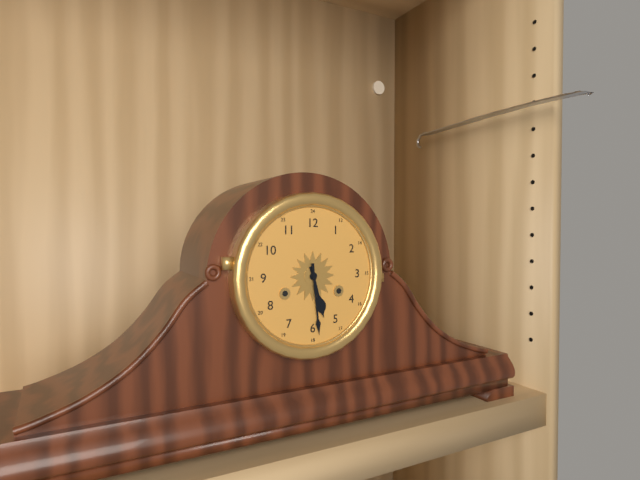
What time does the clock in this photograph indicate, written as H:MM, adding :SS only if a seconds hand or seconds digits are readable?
5:29
